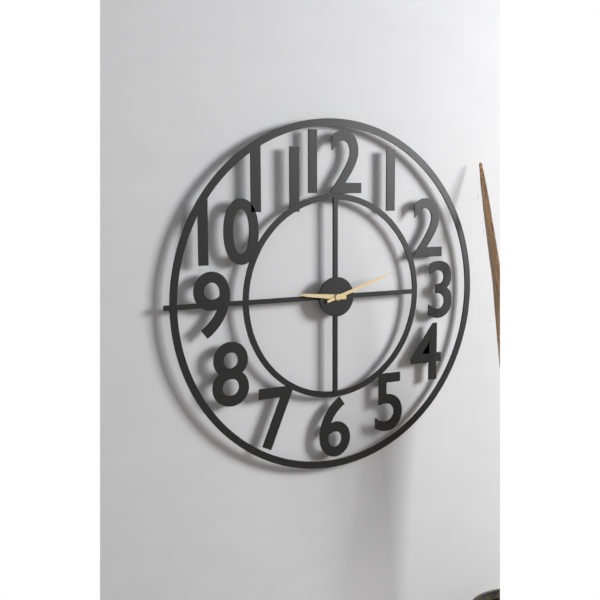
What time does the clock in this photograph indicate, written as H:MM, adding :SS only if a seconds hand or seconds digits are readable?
9:12
